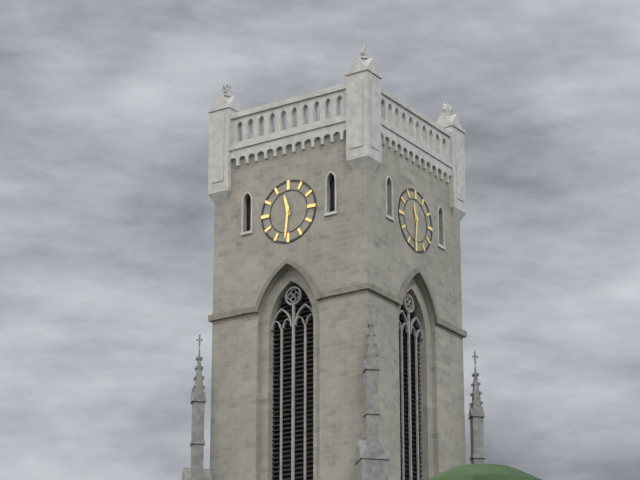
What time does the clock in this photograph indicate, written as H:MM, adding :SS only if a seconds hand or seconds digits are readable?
11:31
